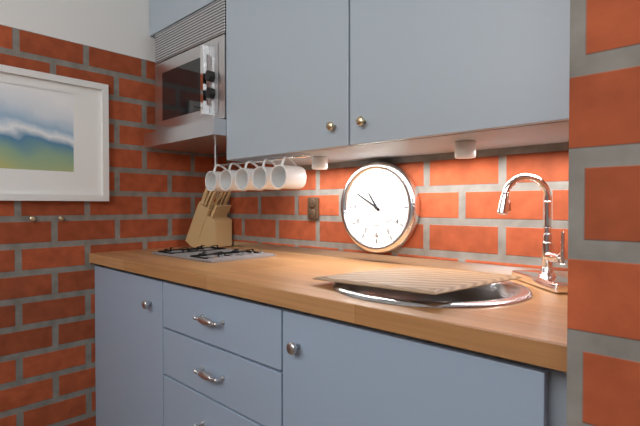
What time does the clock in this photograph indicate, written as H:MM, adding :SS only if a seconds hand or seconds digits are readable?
10:50
